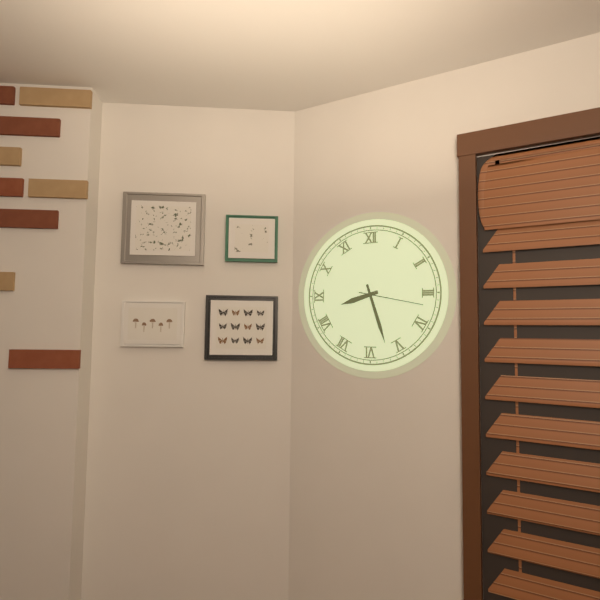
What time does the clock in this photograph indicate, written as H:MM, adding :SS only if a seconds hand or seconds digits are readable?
8:27:17
